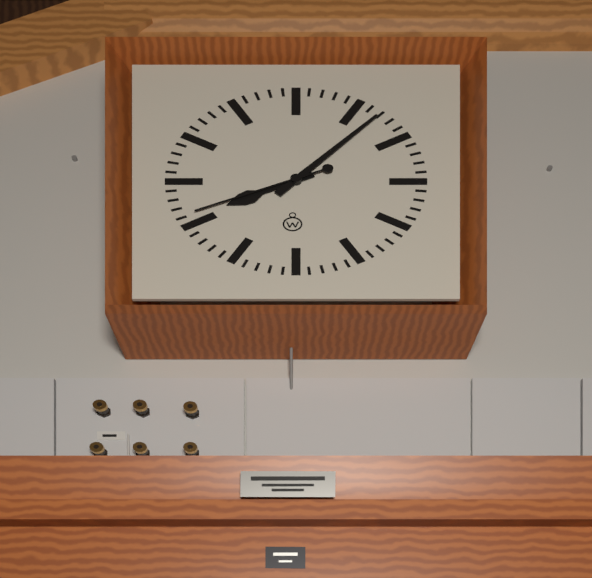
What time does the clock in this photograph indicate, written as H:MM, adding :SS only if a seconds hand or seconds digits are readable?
8:07:41
